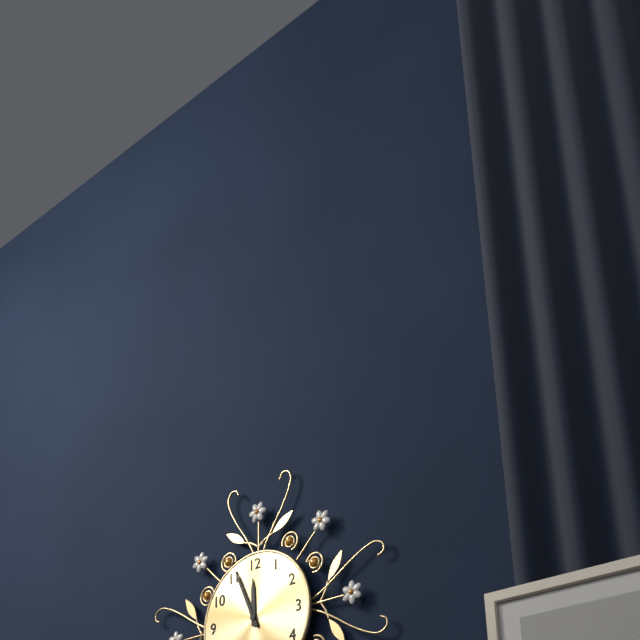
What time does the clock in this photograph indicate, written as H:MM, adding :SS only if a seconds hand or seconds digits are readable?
11:56
